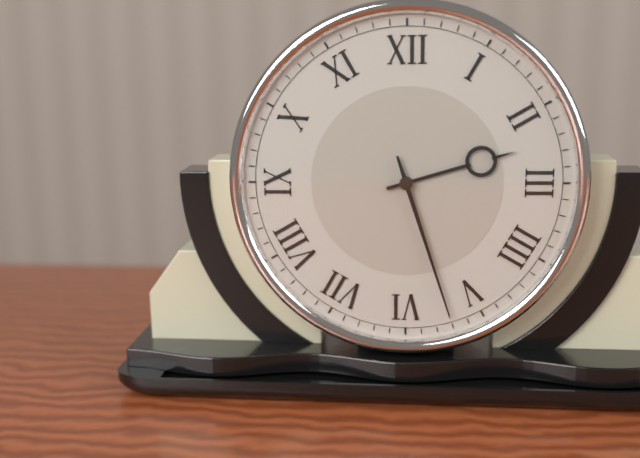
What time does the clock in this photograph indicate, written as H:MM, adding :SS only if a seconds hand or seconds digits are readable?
2:27
